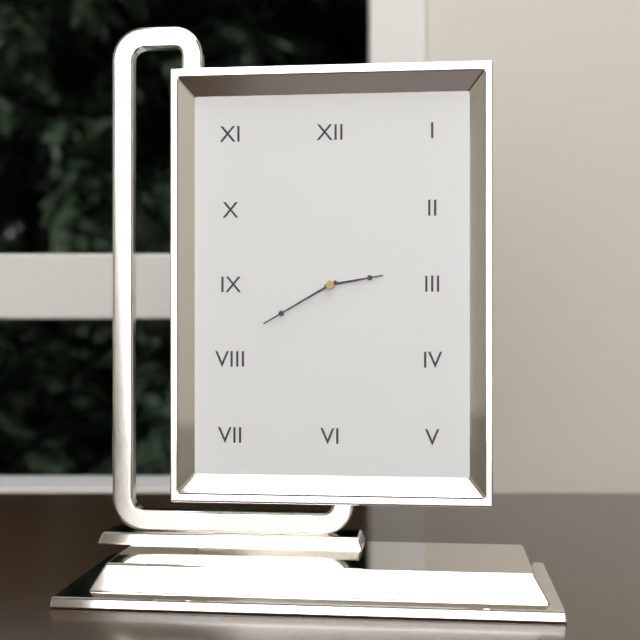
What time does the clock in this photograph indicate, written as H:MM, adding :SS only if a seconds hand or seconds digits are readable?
2:40
